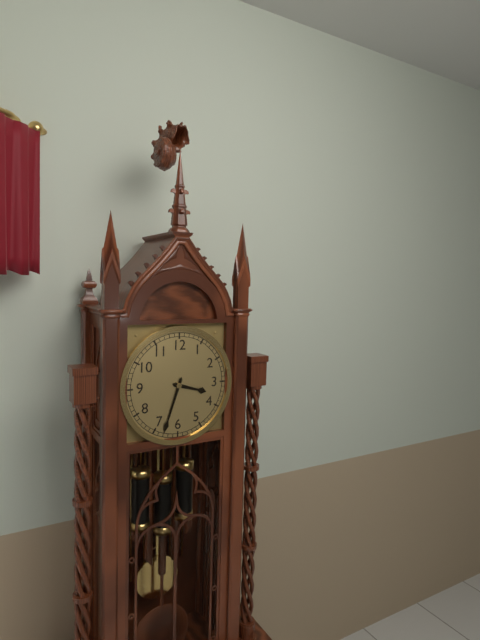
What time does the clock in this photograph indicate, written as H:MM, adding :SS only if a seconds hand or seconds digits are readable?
3:33
